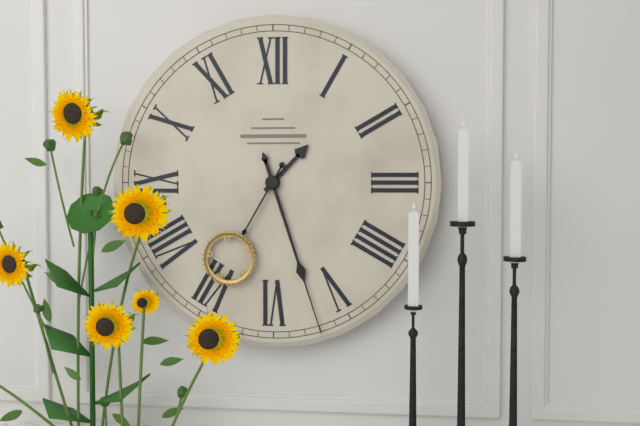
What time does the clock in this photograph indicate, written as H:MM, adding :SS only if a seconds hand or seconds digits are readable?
1:27:35
